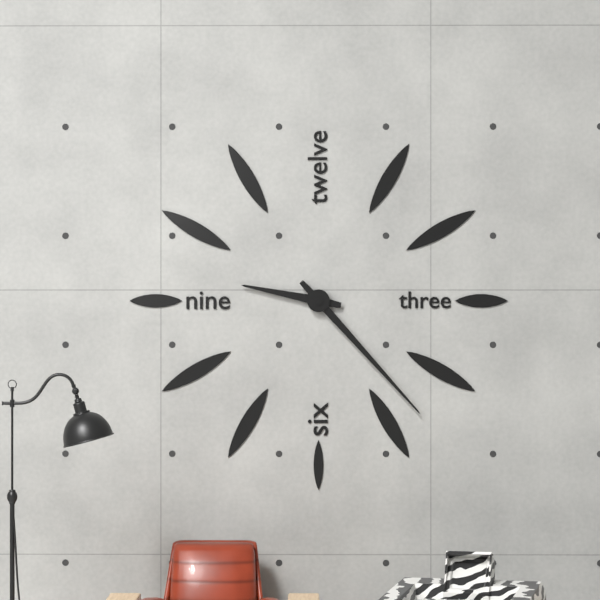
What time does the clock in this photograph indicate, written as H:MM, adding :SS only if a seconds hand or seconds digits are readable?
9:23
